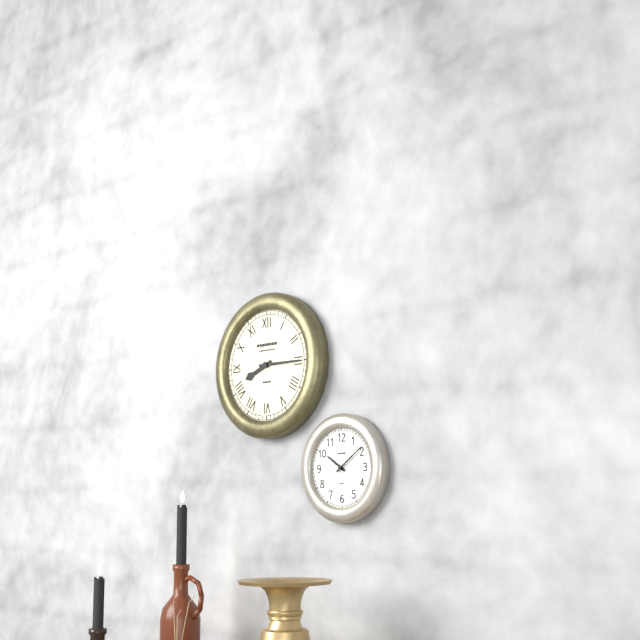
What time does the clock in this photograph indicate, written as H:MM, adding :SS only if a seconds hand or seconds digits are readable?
8:15
